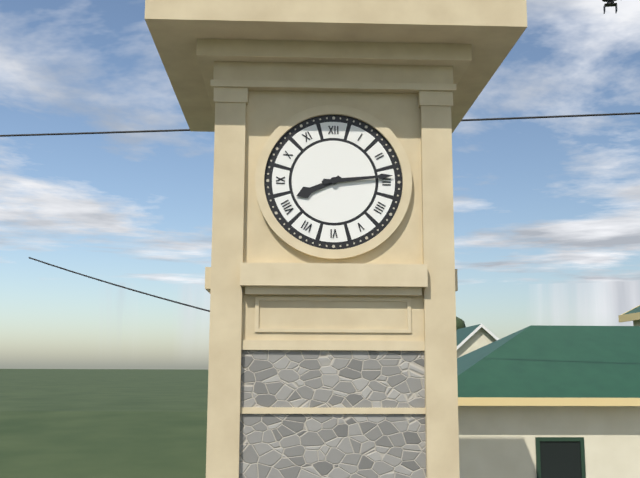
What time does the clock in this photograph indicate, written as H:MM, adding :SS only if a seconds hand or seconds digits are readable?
8:14
